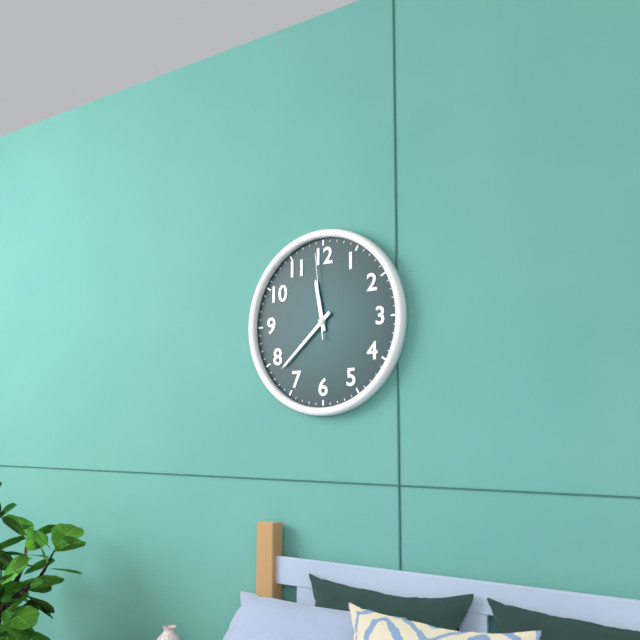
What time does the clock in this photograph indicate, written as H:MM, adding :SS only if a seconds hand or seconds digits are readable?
11:38:59
